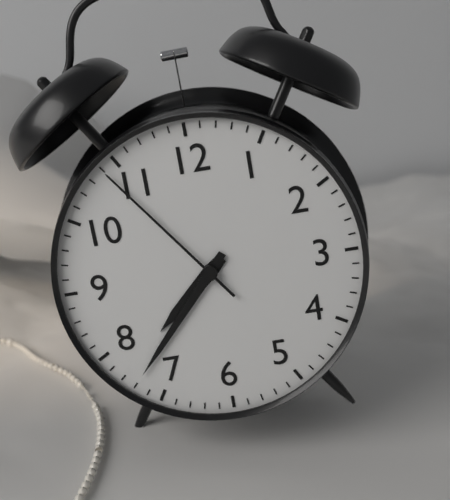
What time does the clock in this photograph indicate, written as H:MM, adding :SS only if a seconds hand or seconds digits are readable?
7:37:54
